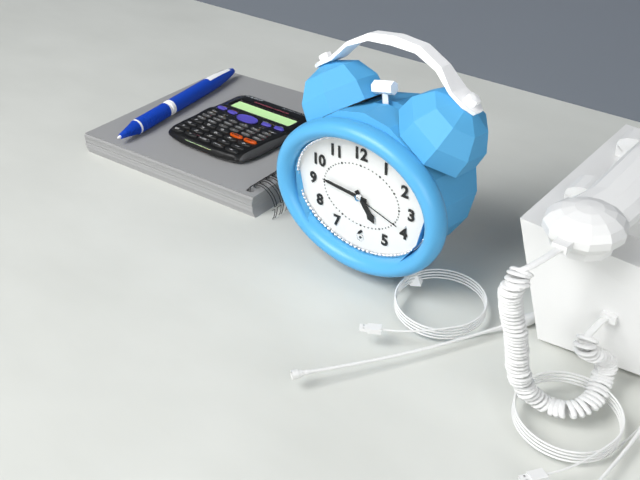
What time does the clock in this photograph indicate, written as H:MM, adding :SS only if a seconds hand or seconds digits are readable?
4:46:18
